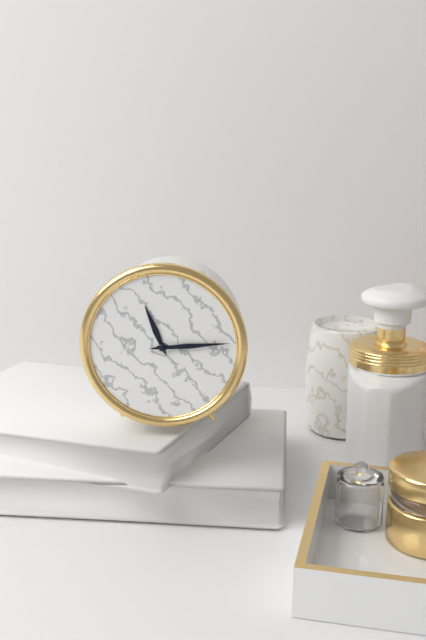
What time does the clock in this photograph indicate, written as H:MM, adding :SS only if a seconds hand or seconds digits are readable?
11:14
